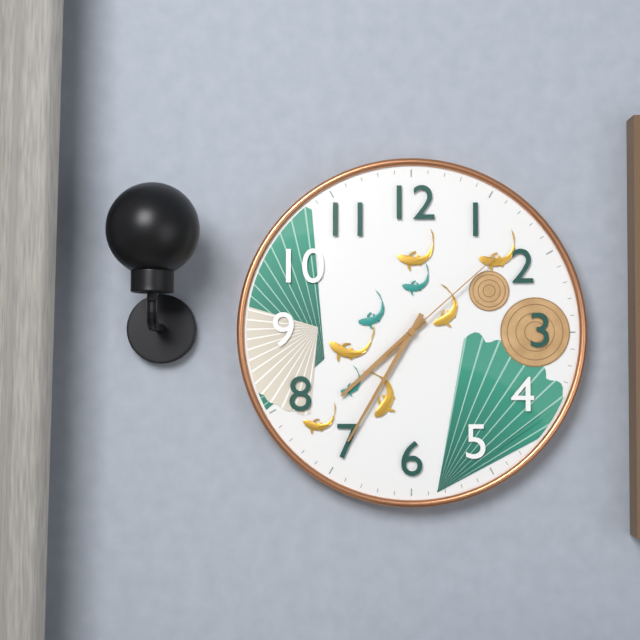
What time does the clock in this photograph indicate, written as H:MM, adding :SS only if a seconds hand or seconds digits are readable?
7:35:08
